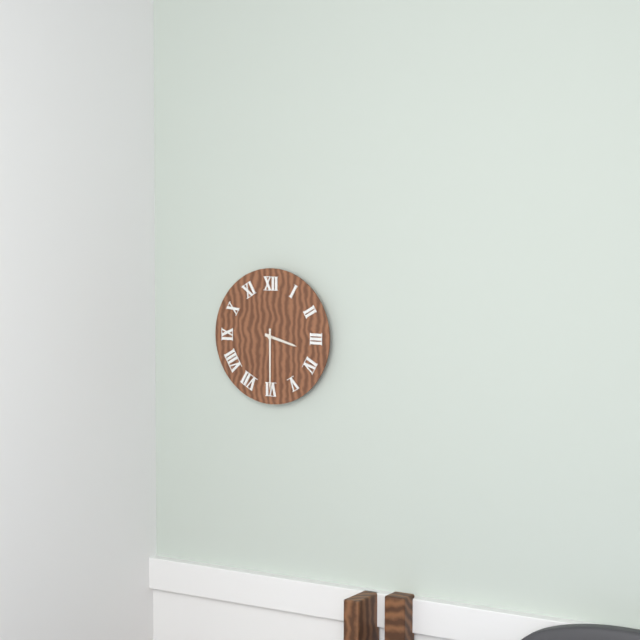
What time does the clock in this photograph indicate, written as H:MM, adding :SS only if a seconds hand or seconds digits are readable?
3:30
